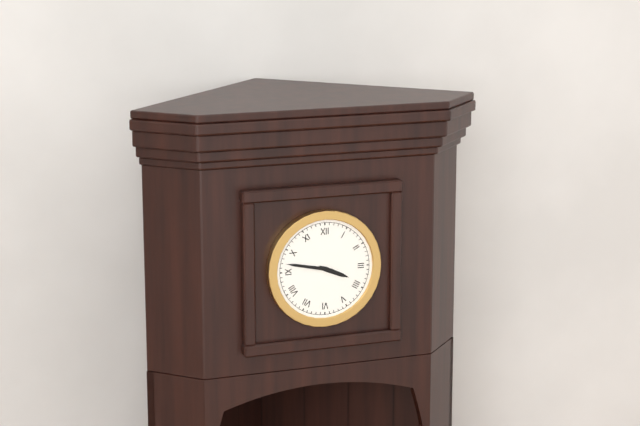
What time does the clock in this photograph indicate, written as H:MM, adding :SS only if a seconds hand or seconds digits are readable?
3:47
